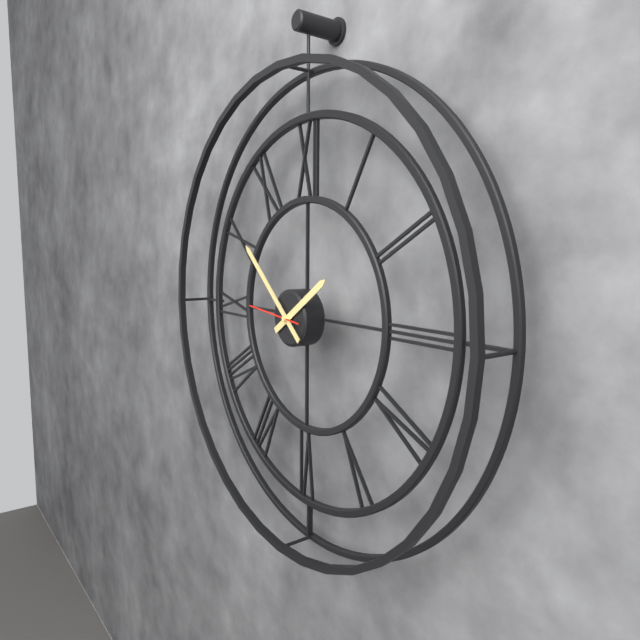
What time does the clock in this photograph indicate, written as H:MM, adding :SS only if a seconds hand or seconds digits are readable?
1:52
